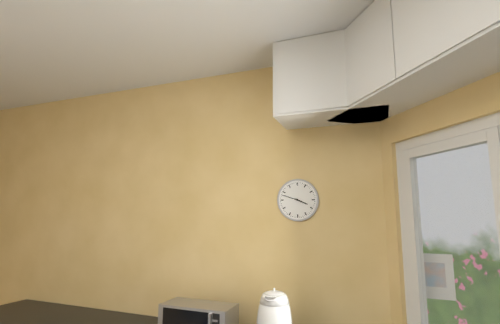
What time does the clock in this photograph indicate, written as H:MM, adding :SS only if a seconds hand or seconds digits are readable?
3:48
